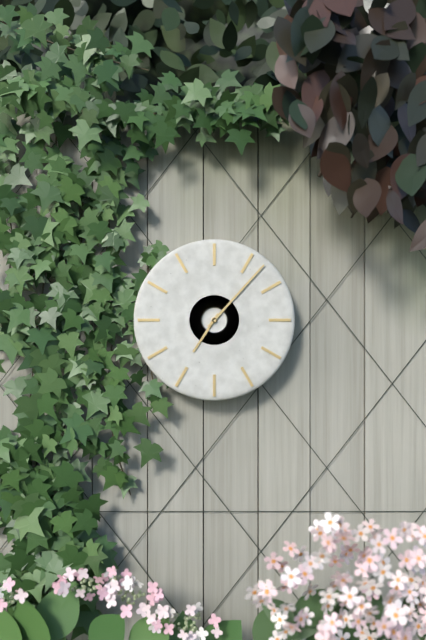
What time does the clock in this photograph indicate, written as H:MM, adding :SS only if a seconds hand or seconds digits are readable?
7:07
